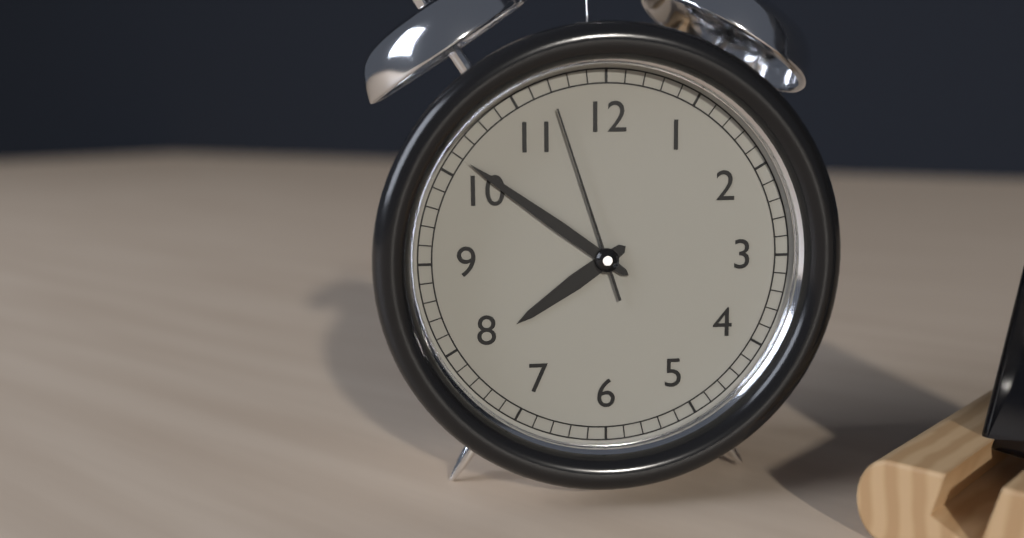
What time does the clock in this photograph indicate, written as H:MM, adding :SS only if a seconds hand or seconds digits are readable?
7:51:57
